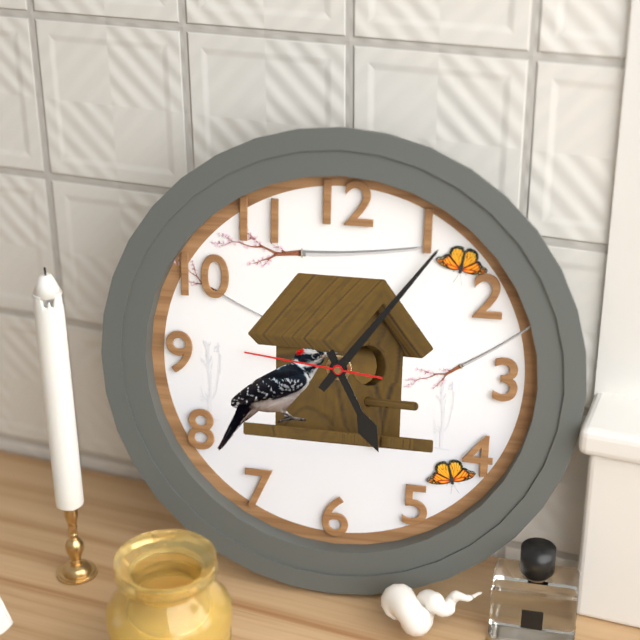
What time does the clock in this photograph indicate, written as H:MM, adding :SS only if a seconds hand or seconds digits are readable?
5:06:46
